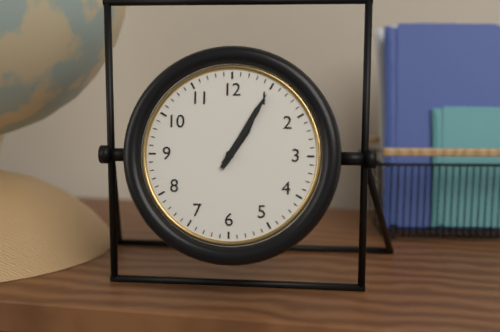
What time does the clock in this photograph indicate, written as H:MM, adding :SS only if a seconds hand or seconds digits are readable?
1:05
